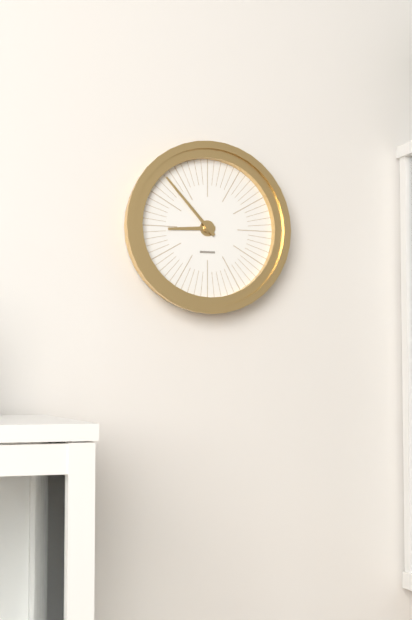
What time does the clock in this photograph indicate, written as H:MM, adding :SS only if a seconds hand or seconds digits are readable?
8:53
